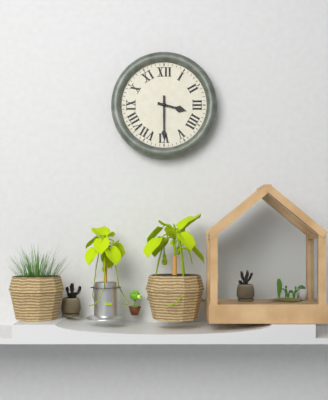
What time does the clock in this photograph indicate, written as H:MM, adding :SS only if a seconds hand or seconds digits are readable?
3:30
